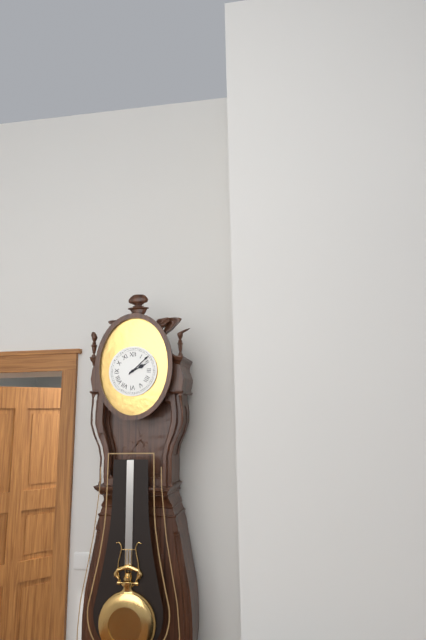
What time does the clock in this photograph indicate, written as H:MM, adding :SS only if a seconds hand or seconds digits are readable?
2:08
